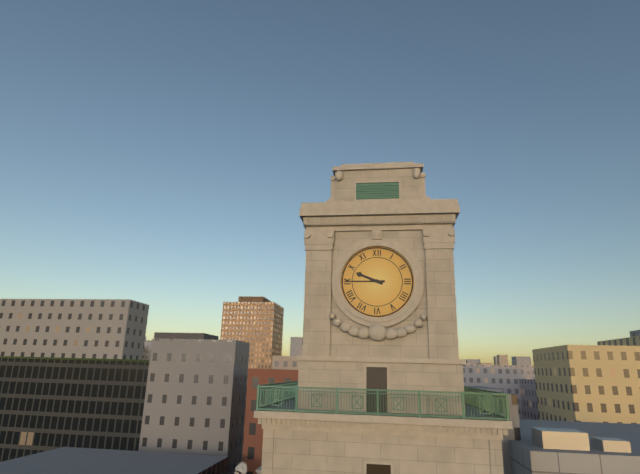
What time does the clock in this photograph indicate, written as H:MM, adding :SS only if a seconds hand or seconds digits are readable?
9:45
